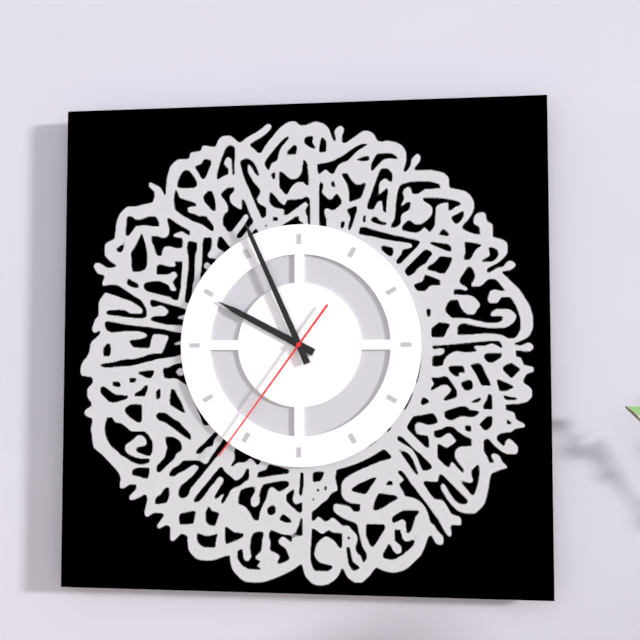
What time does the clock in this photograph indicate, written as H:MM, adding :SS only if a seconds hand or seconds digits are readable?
9:56:36
